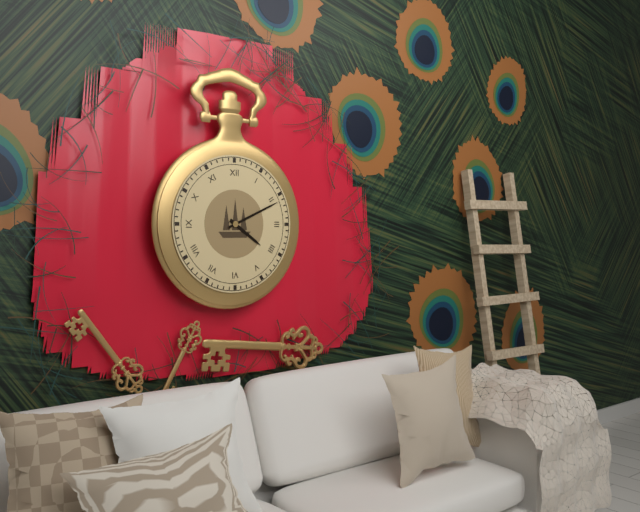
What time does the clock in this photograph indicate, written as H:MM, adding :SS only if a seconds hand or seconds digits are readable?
4:11
